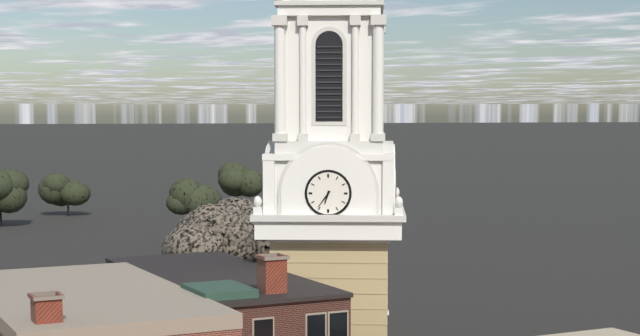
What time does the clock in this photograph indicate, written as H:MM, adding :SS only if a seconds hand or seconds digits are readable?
6:36
